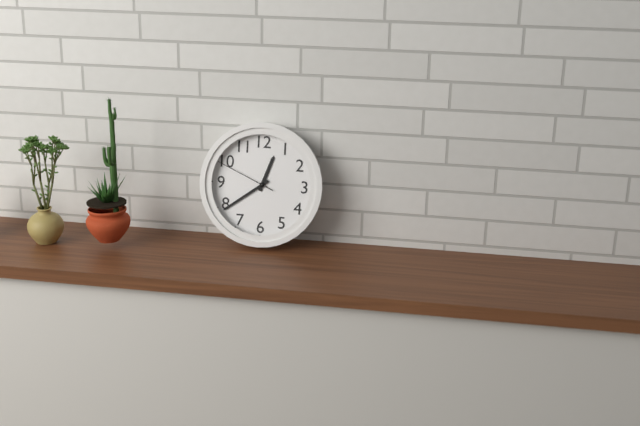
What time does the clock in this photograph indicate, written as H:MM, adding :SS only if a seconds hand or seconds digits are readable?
12:39:49
